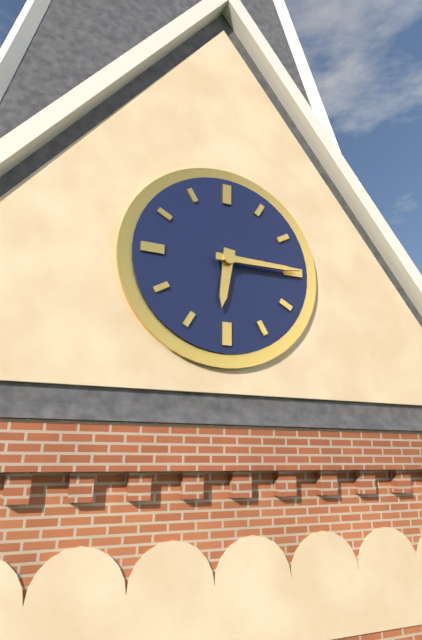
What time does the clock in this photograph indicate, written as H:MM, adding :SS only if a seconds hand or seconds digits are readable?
6:15
